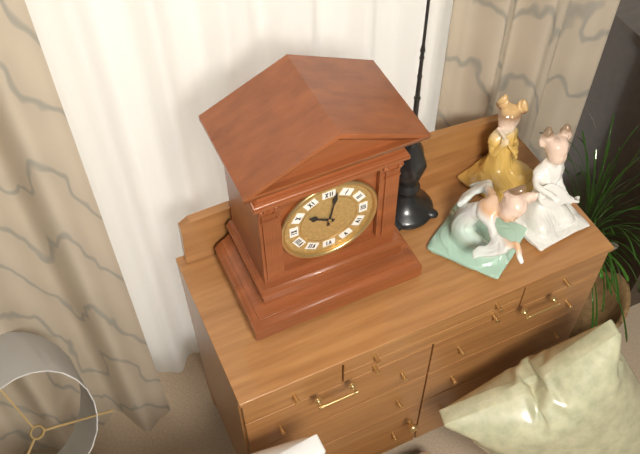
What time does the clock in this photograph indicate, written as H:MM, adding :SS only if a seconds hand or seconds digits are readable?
10:02
